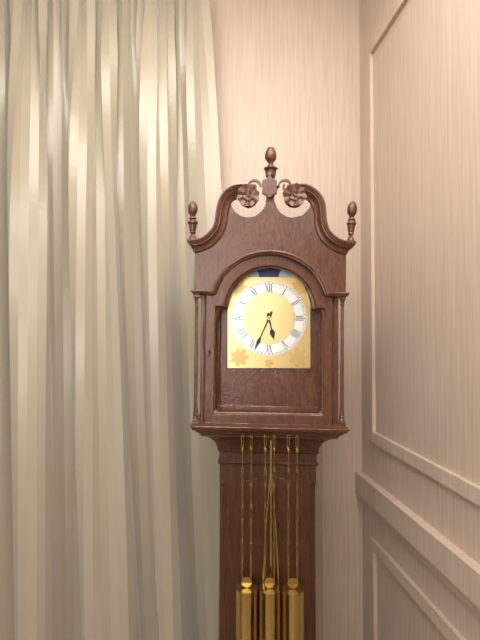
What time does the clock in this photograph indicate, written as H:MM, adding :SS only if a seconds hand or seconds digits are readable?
5:34
